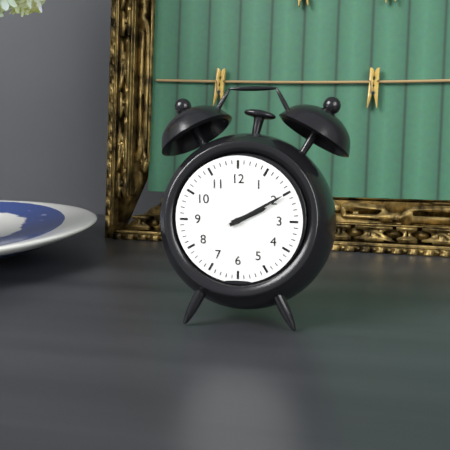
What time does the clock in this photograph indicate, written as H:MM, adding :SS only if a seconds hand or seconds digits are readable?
2:10
